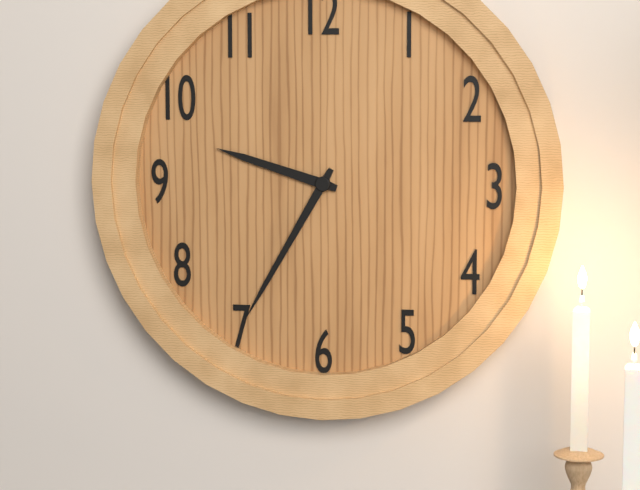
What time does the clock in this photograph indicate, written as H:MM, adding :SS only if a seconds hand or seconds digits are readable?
9:35
